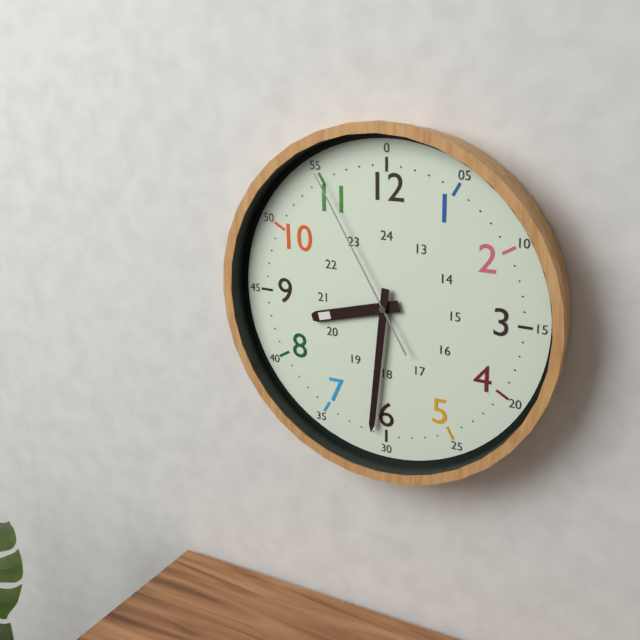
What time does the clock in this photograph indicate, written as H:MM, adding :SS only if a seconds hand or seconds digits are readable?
8:31:55
